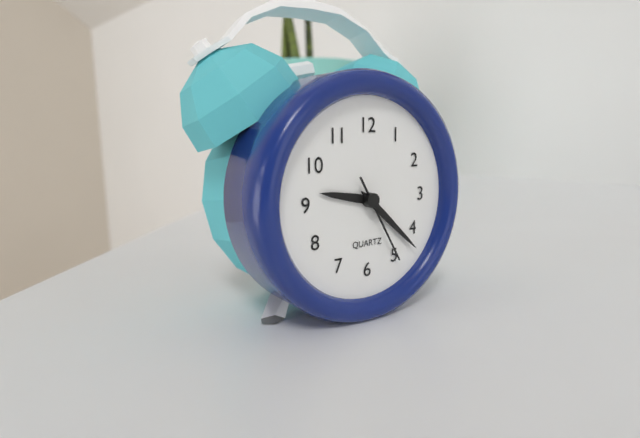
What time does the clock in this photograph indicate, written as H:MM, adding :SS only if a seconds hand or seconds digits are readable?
9:22:25
